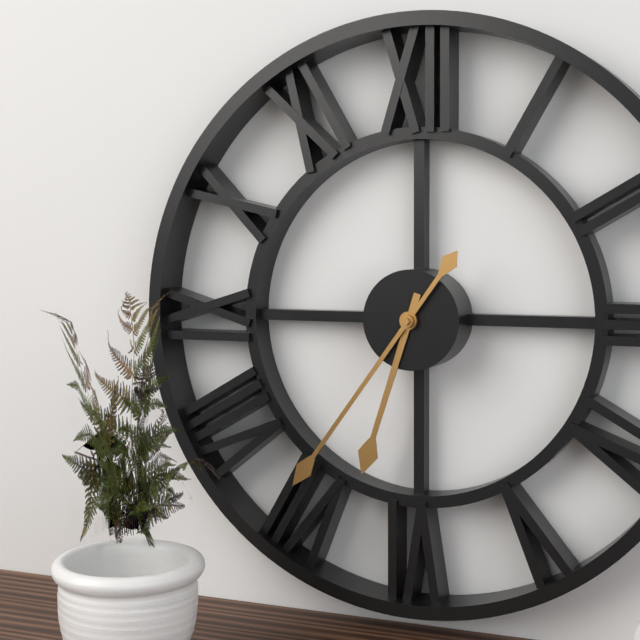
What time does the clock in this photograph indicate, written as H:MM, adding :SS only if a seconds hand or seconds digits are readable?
6:36
